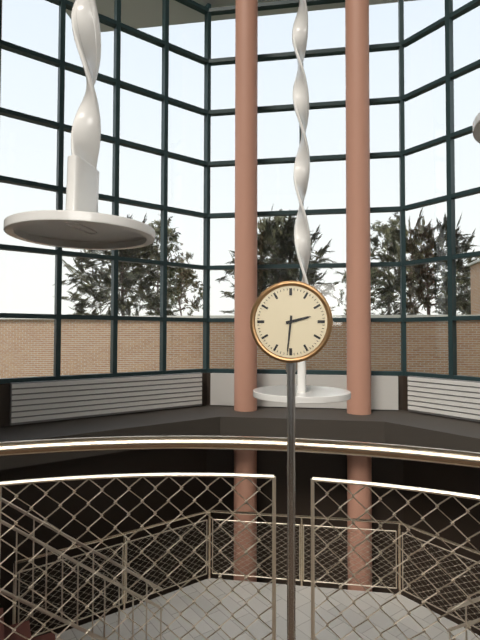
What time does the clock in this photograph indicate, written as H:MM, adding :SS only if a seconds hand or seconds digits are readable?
2:31
